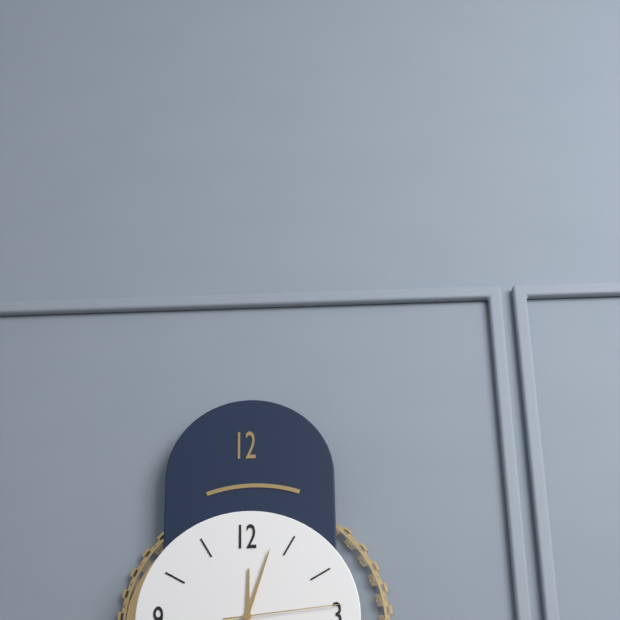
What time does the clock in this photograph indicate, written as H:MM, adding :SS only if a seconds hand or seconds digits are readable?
12:03:14
